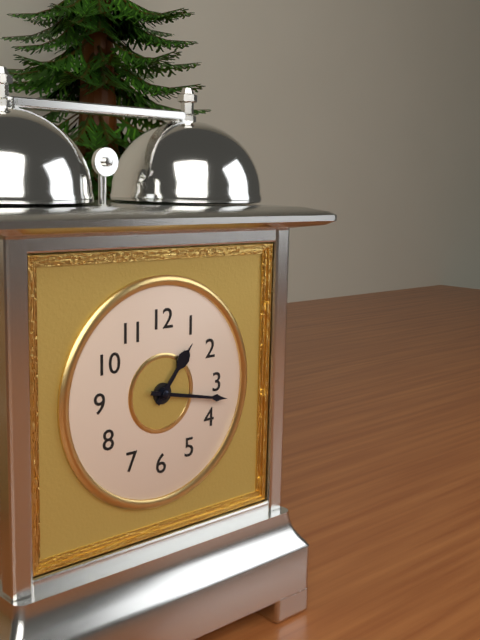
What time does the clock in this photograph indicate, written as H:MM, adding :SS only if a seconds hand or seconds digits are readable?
1:17
